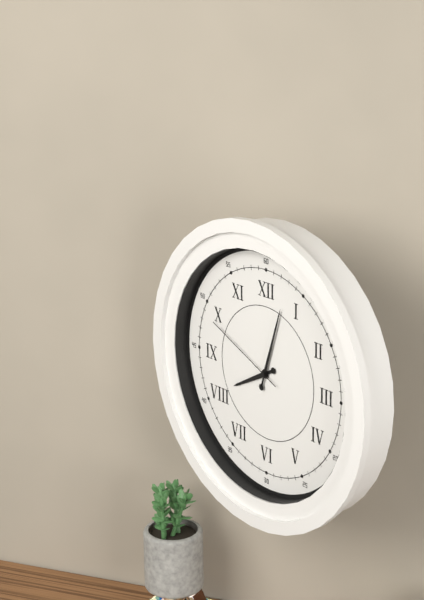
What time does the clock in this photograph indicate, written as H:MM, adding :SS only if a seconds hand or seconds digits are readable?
8:03:49
